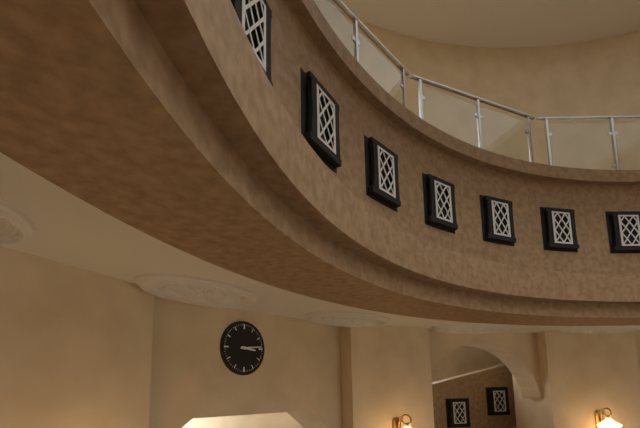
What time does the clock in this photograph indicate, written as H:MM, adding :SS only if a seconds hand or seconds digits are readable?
3:14
